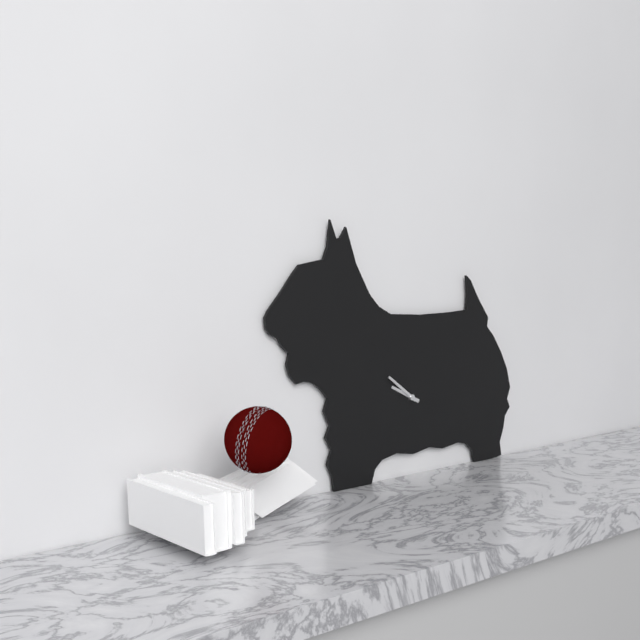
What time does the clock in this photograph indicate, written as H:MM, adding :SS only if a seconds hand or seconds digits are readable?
9:51
